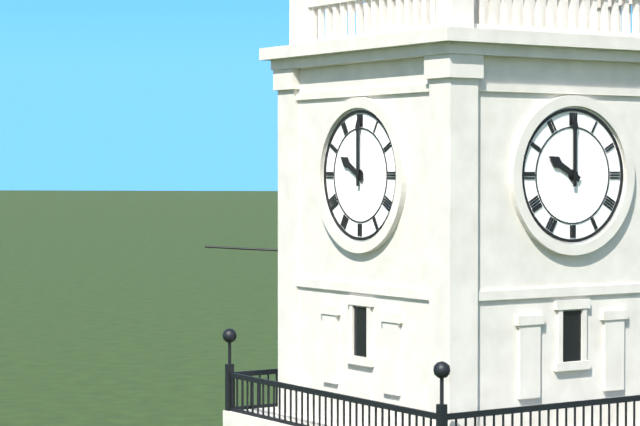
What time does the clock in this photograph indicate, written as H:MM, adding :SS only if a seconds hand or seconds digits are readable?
10:00
